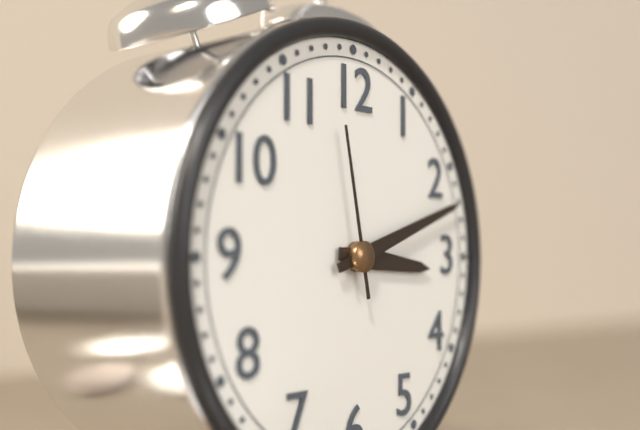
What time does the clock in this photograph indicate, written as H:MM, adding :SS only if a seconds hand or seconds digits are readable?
3:12:58
